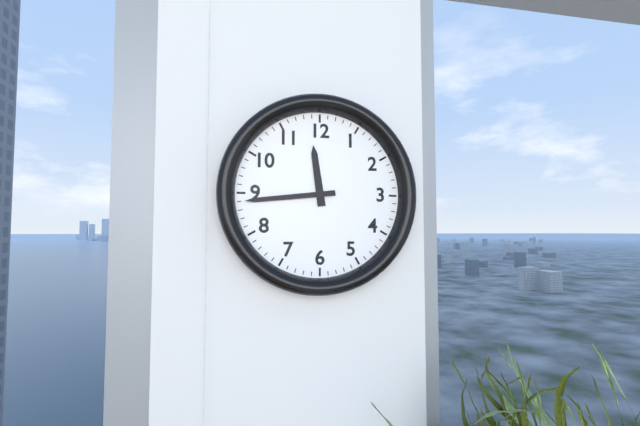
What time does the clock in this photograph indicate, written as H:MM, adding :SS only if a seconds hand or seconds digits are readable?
11:44
